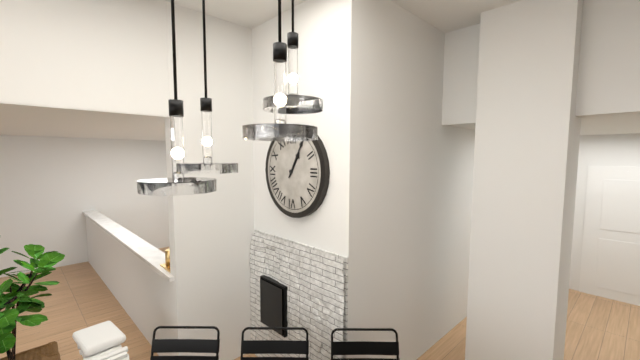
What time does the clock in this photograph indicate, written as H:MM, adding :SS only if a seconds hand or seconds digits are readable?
1:05
